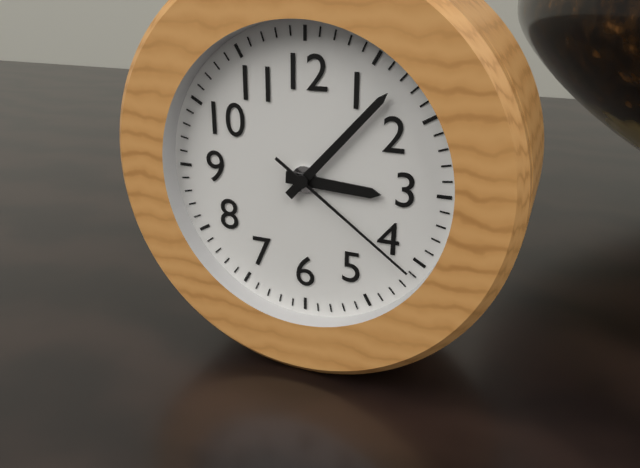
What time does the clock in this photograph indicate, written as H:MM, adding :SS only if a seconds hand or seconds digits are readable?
3:07:21
